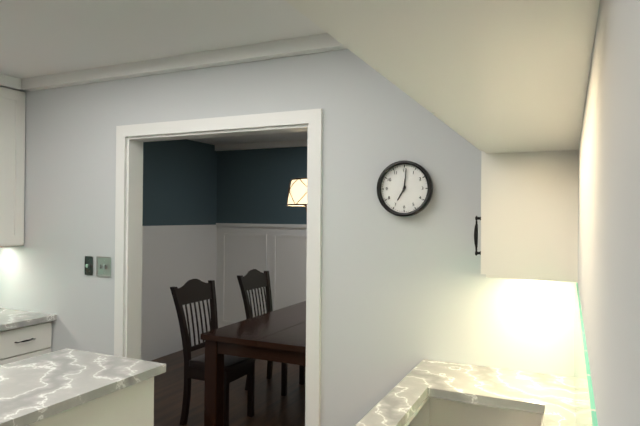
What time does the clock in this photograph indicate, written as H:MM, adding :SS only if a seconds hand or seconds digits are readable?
7:01
